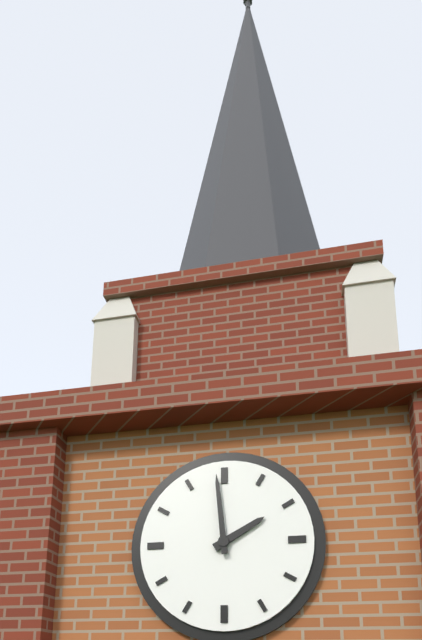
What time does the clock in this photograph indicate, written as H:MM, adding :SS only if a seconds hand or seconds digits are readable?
1:59
